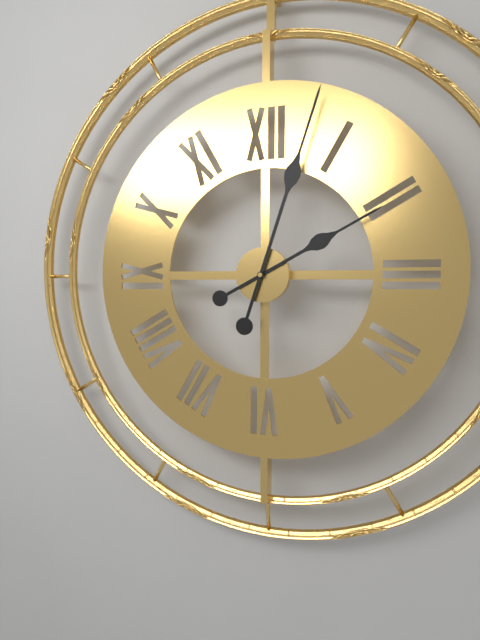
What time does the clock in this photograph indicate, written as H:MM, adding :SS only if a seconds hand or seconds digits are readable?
2:03
